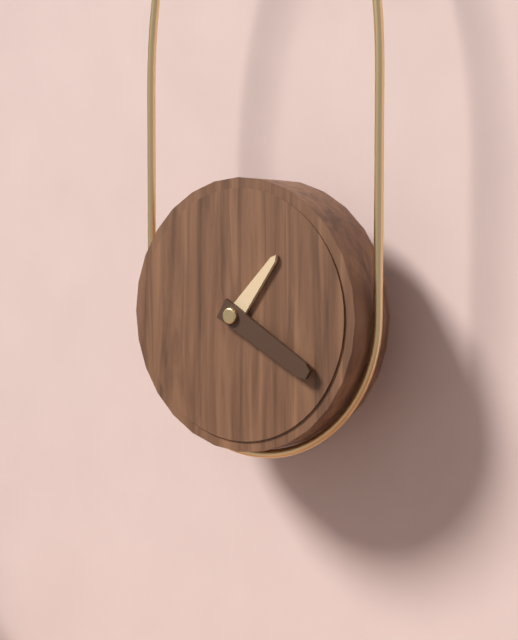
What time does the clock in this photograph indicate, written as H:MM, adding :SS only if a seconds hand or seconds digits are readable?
1:20
